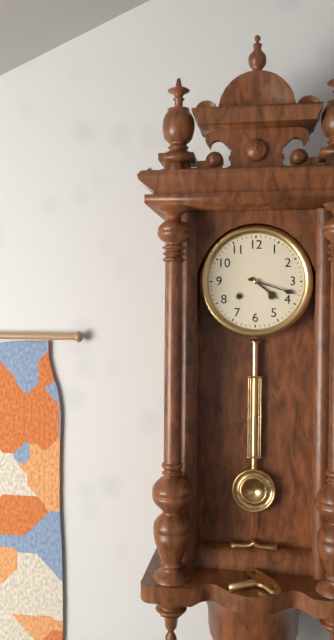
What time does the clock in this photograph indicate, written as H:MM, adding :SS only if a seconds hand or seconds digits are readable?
4:18
